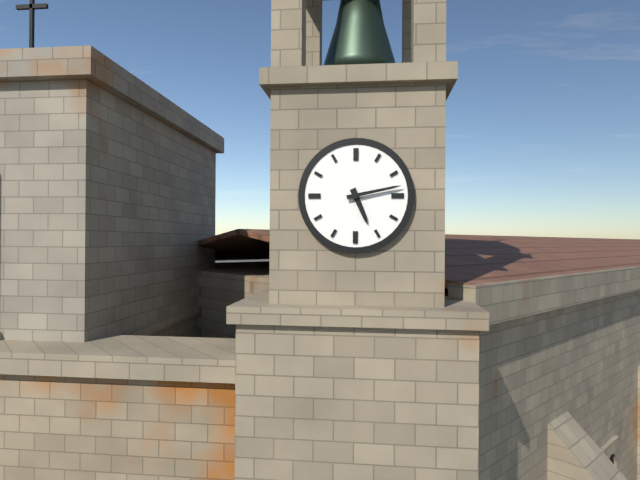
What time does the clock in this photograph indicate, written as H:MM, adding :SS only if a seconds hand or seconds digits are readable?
5:13
